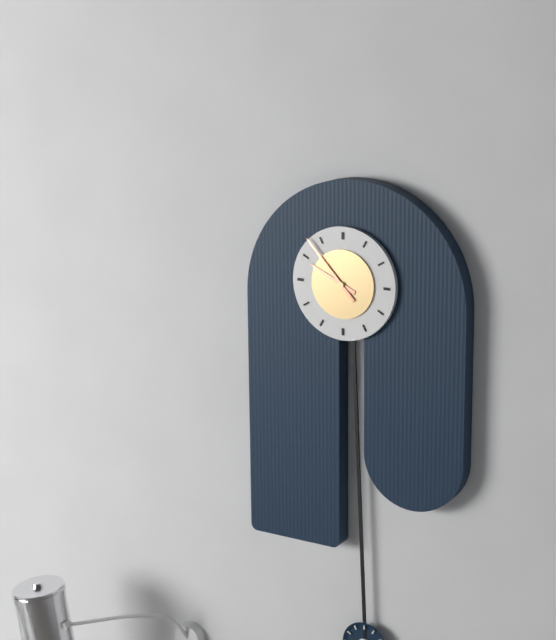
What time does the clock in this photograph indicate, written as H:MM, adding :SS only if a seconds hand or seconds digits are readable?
9:53
